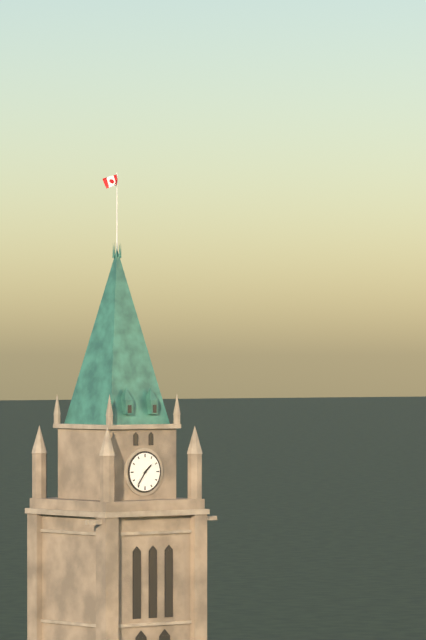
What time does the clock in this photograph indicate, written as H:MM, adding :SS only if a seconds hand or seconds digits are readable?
1:36
